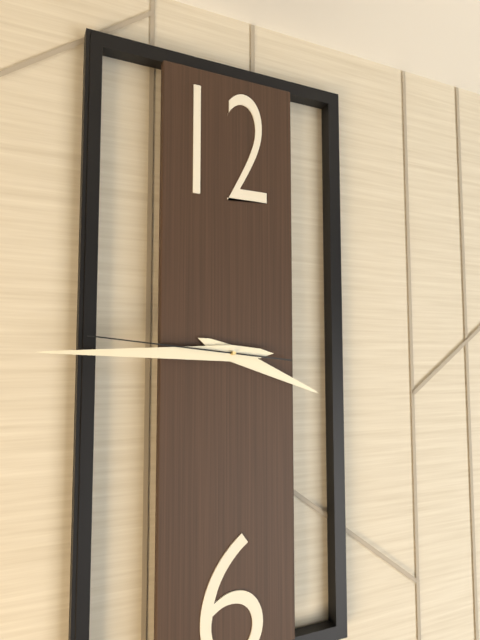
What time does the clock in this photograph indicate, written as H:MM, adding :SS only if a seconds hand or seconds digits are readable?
3:45:46
